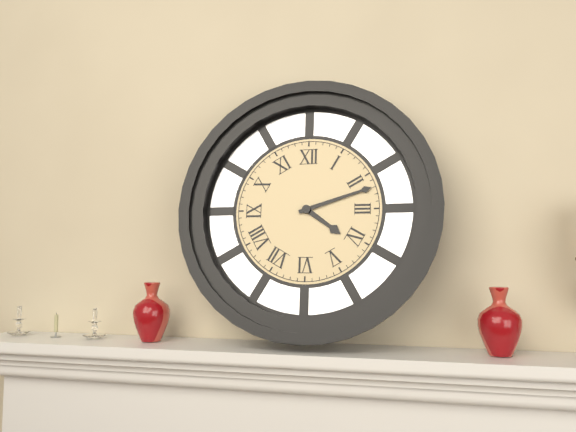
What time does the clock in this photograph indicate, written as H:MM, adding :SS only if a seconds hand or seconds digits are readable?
4:12
